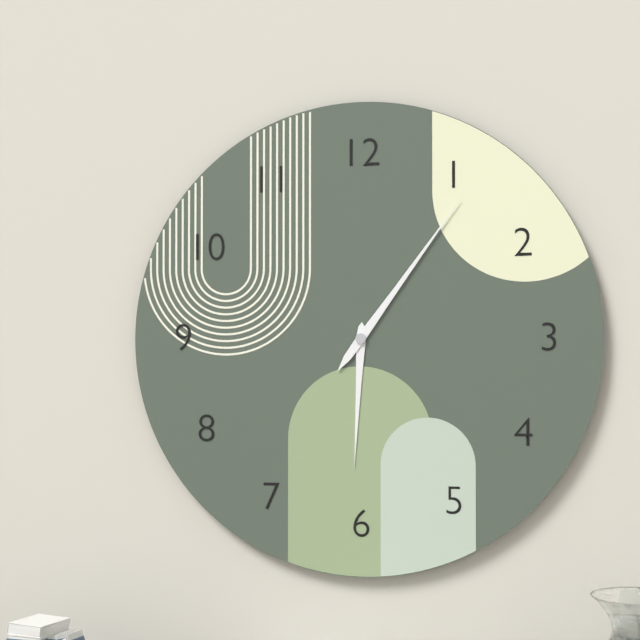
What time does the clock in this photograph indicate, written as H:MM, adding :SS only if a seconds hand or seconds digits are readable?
6:06
